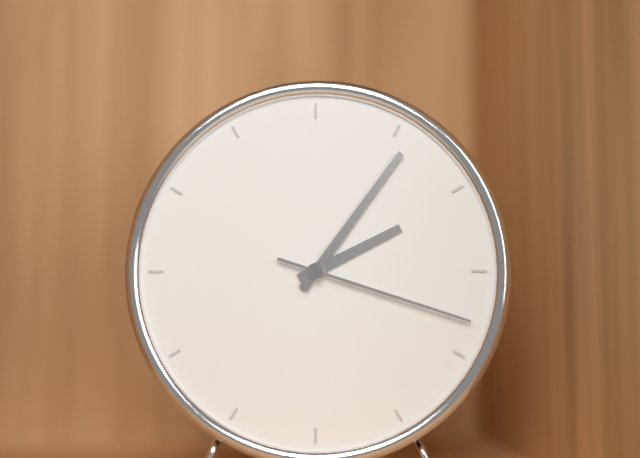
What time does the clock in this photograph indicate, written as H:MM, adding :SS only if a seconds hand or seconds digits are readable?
2:06:18
